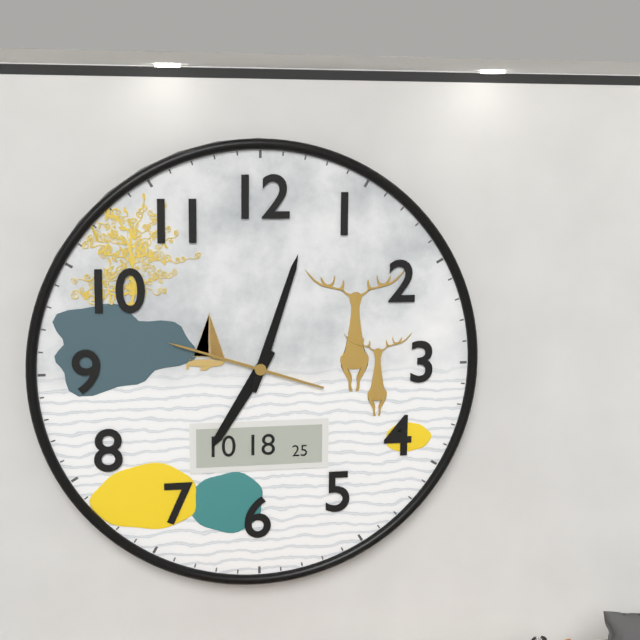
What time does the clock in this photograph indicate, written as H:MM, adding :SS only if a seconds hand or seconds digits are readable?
7:03:48
